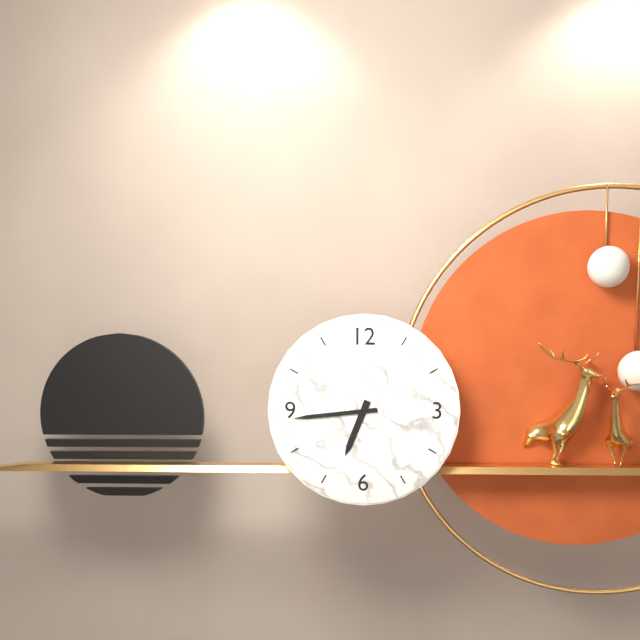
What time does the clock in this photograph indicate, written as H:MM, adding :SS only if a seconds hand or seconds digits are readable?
6:44
